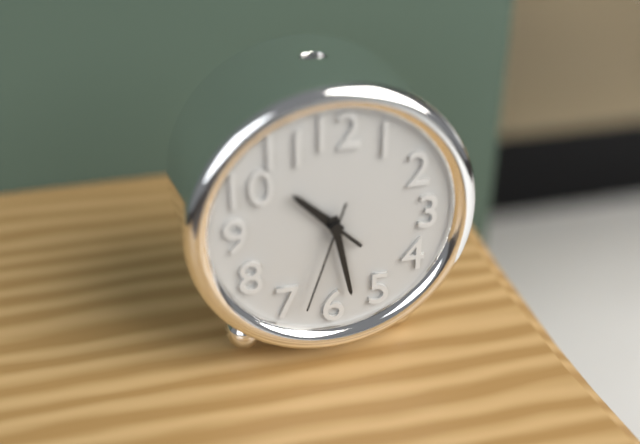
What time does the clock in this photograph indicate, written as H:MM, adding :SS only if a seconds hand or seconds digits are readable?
10:28:33
